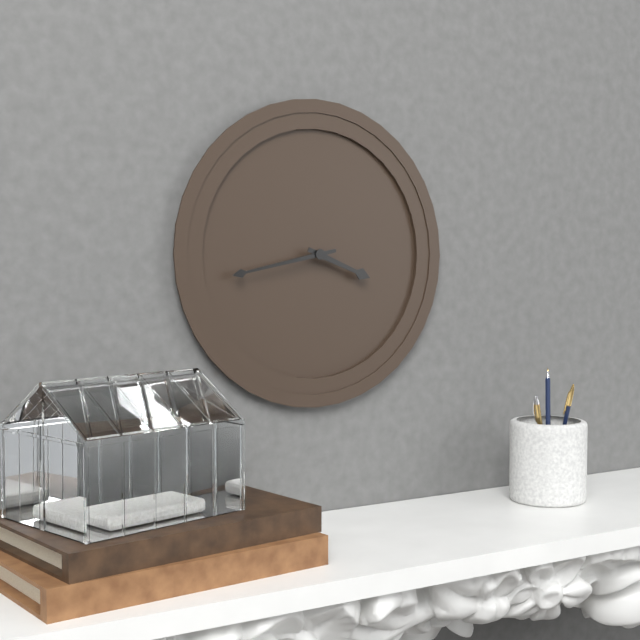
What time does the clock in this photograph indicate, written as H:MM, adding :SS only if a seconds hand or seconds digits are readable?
3:43
